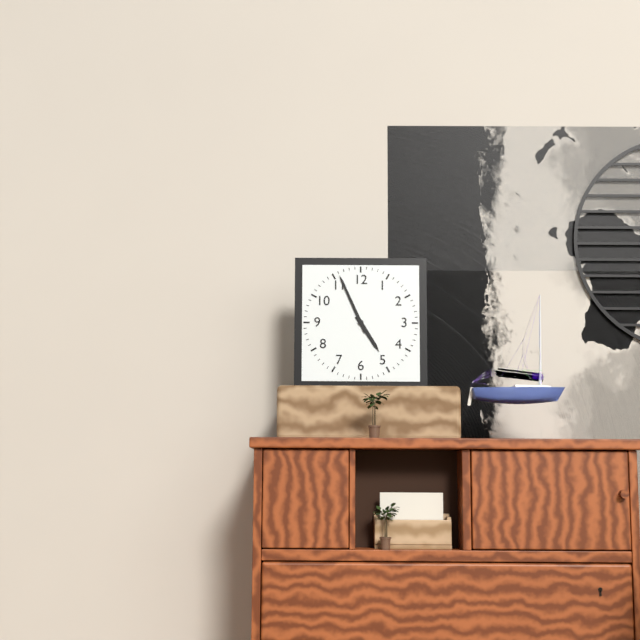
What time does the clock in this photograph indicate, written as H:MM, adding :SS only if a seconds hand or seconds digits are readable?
4:56
